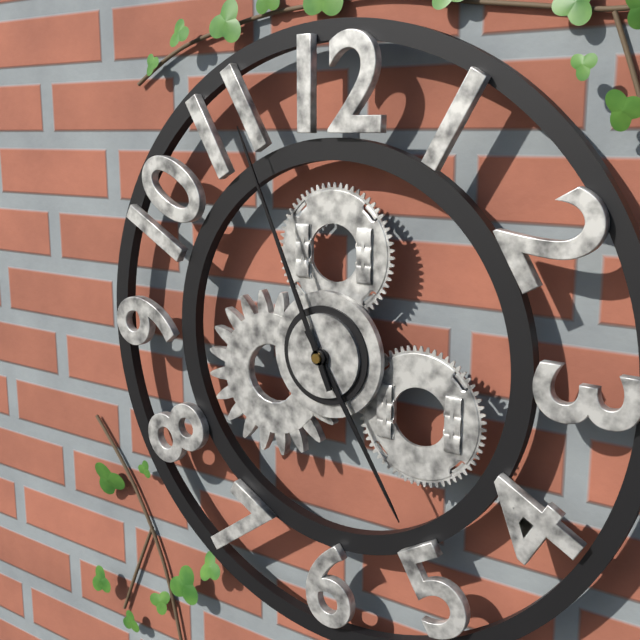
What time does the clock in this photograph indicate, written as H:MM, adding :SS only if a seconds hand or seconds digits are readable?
4:56
